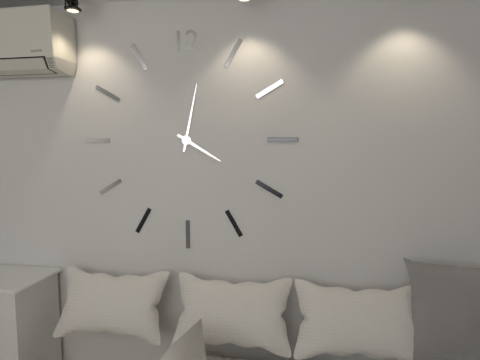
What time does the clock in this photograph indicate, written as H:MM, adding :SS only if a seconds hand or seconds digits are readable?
4:02
